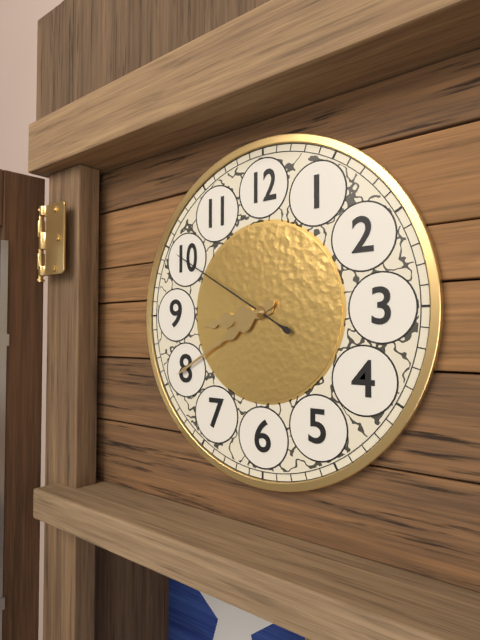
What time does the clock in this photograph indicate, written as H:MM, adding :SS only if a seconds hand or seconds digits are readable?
8:40:50
